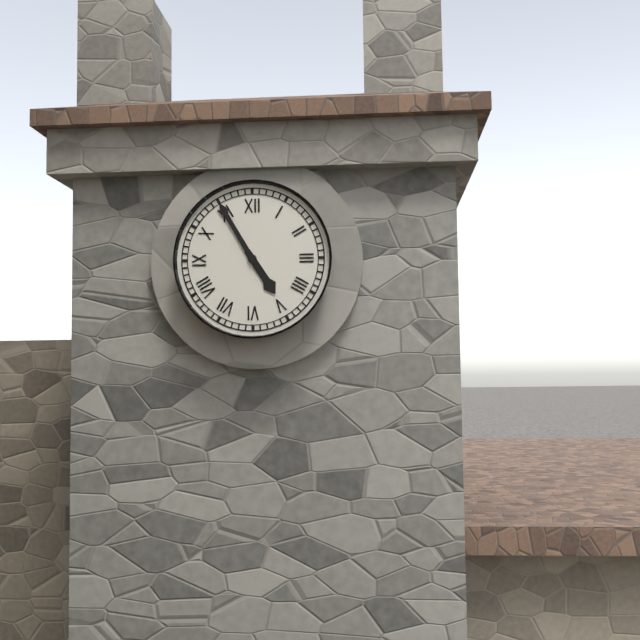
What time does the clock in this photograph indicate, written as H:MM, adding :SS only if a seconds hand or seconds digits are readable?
4:55
